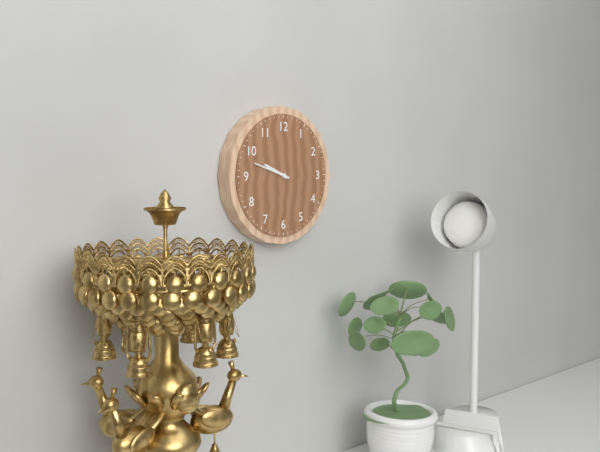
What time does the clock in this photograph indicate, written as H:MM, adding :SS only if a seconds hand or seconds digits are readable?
9:48
